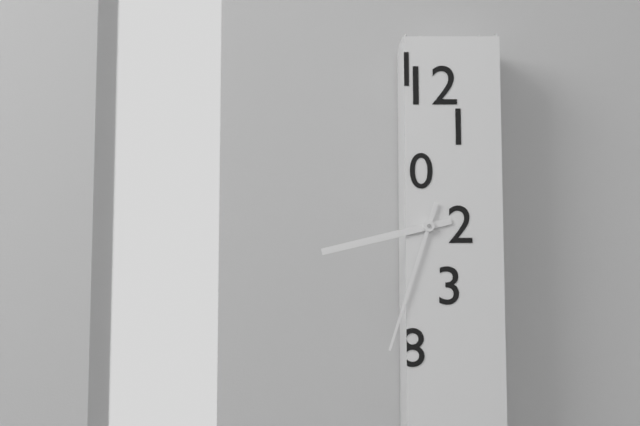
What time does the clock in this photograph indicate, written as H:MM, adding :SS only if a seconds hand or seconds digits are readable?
8:33
